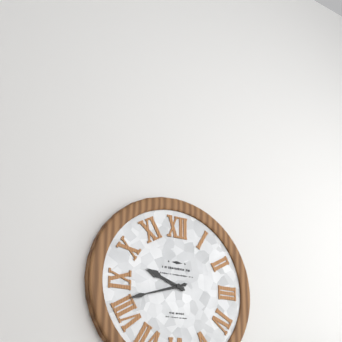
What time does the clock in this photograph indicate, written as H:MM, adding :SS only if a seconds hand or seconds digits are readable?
9:42
